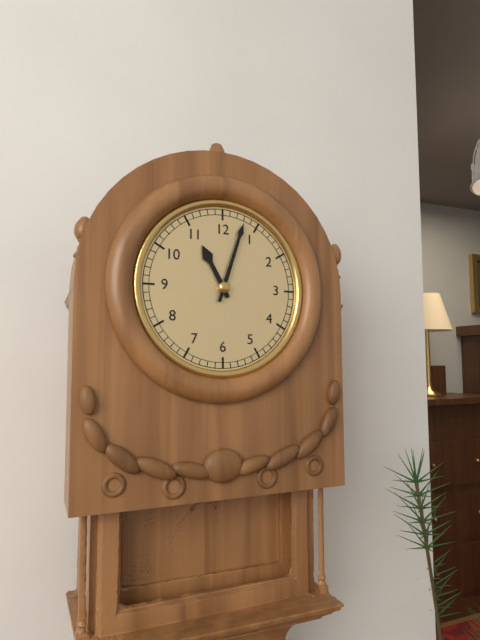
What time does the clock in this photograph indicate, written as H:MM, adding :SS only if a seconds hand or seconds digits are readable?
11:03
